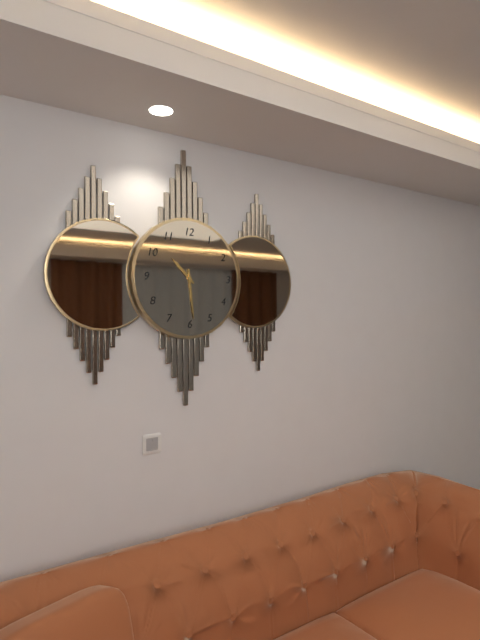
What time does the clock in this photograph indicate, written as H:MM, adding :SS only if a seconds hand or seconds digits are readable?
10:29
